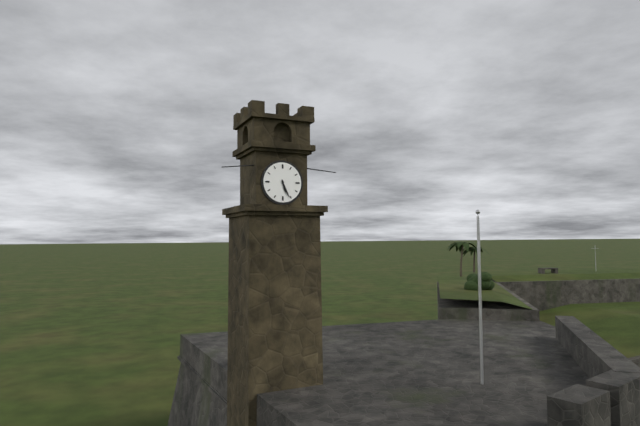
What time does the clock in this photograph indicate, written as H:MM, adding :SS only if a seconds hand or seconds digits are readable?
5:26
